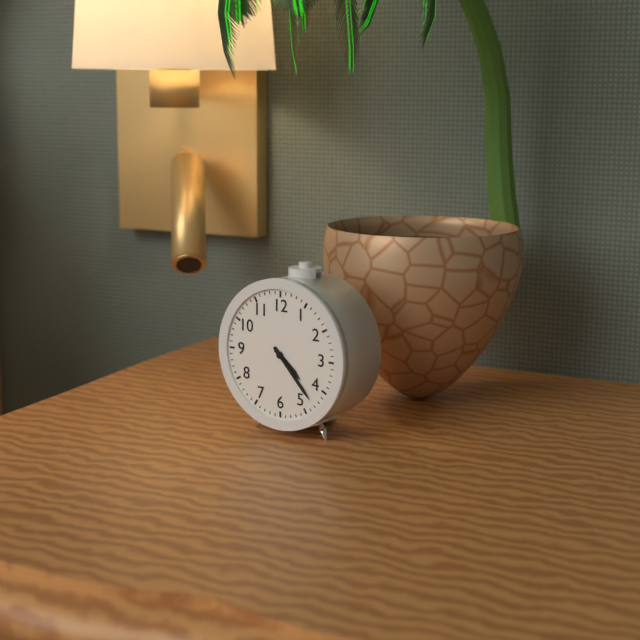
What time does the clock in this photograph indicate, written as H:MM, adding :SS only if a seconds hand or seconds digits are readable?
4:23
